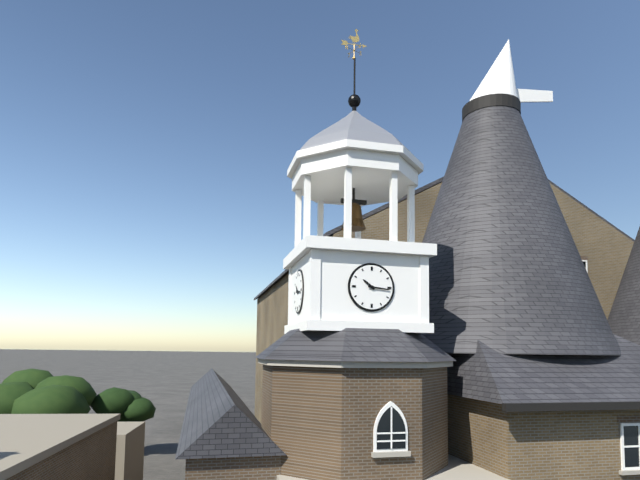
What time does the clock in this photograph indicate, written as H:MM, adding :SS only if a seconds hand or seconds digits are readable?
10:16
